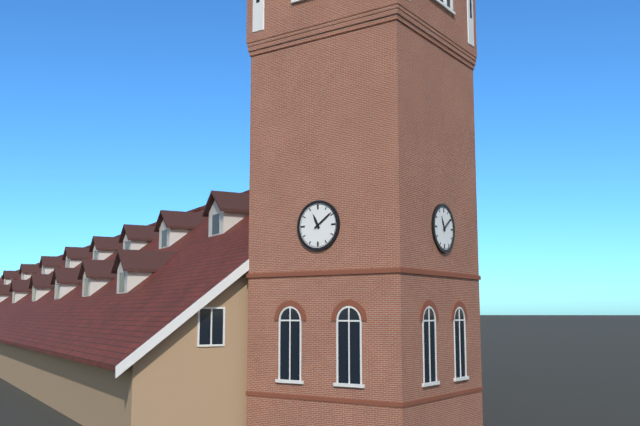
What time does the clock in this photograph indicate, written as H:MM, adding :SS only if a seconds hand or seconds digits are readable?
11:09
